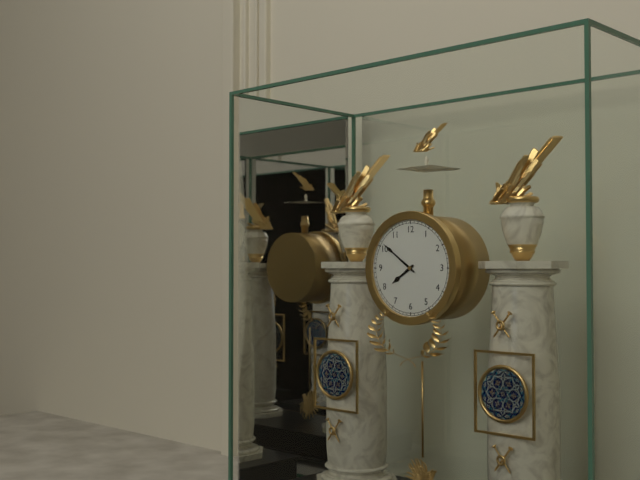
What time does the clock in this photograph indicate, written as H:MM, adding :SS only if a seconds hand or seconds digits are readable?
7:51
